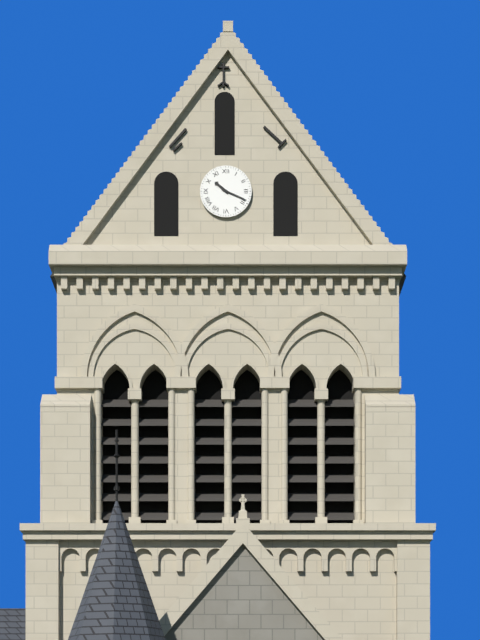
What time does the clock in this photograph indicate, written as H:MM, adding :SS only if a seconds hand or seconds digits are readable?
10:19
